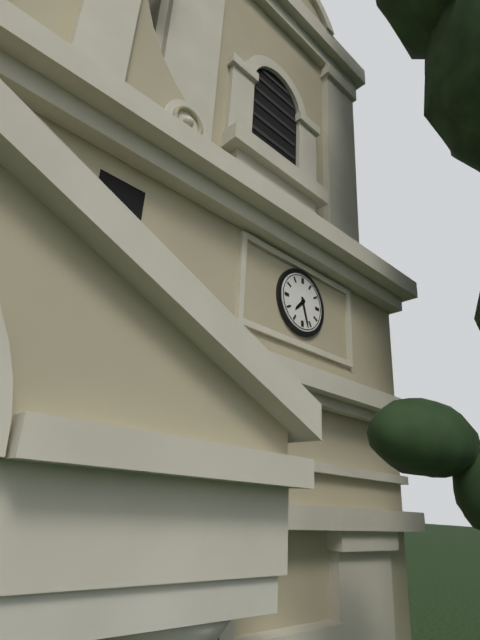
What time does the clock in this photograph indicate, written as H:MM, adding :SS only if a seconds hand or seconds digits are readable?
7:27
